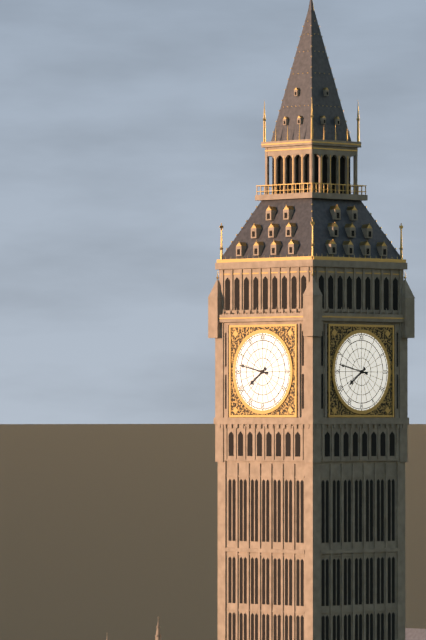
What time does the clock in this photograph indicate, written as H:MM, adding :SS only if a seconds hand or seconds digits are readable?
7:47
